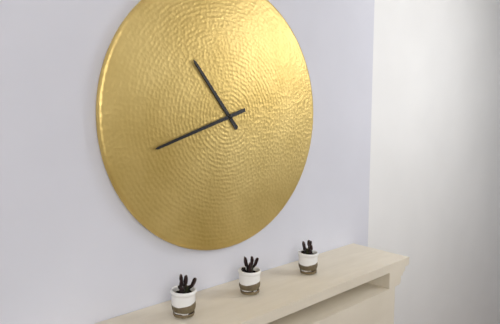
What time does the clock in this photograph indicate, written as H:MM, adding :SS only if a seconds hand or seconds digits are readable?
10:42
